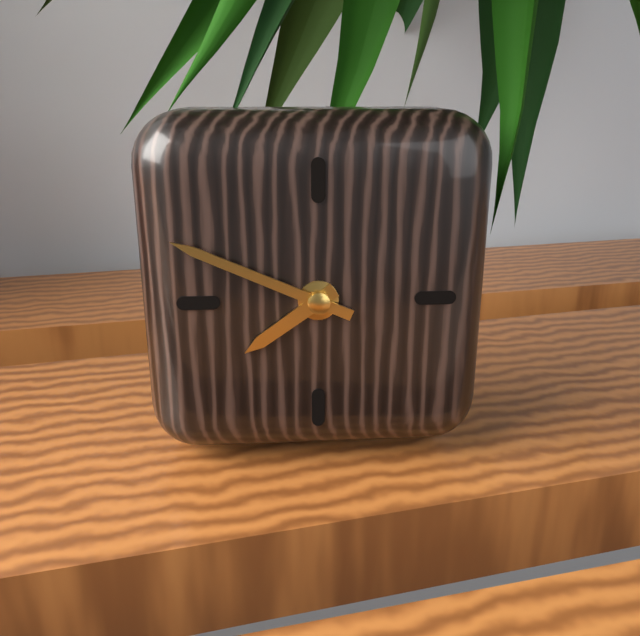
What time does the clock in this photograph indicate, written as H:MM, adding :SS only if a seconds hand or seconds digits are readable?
7:49
